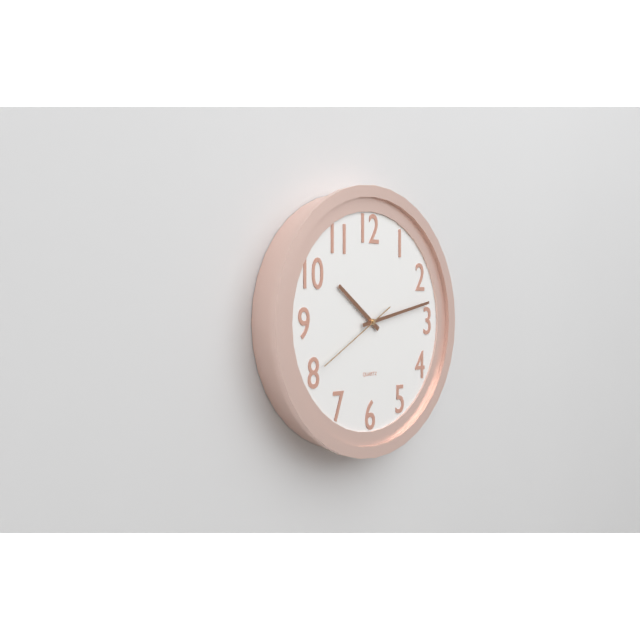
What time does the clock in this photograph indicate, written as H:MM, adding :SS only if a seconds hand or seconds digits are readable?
10:13:40
